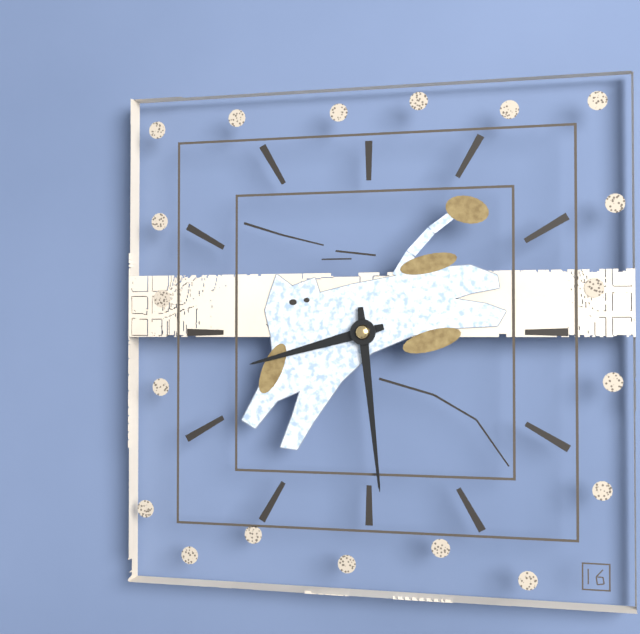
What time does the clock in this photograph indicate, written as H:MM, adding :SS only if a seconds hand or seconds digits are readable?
8:29
